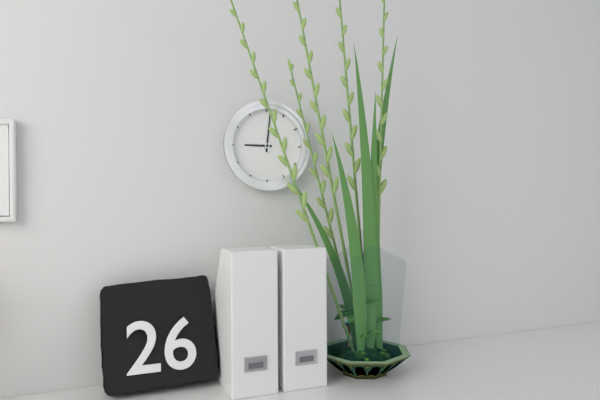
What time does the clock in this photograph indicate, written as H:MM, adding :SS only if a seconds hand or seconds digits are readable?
9:01
